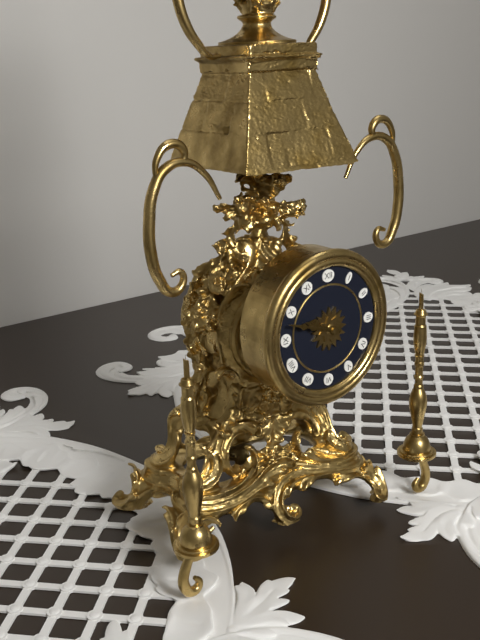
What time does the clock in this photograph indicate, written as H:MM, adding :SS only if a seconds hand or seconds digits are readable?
9:48
